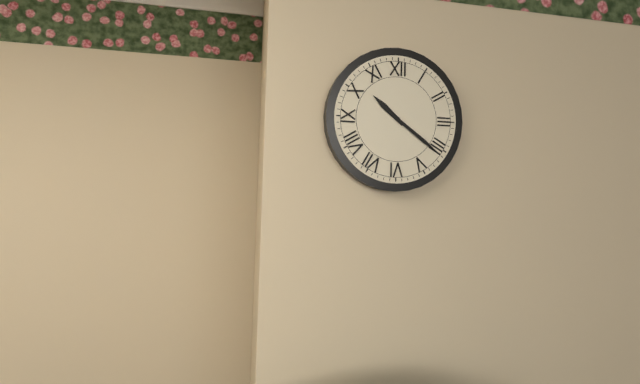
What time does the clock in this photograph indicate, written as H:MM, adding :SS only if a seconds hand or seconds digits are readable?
10:21
